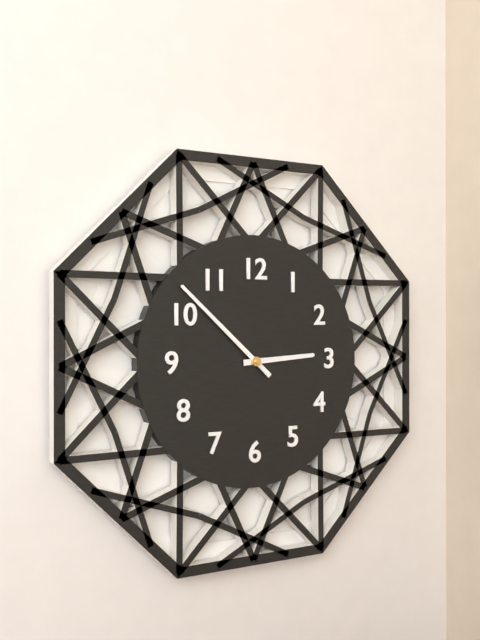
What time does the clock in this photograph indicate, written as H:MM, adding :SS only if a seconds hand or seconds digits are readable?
2:52
